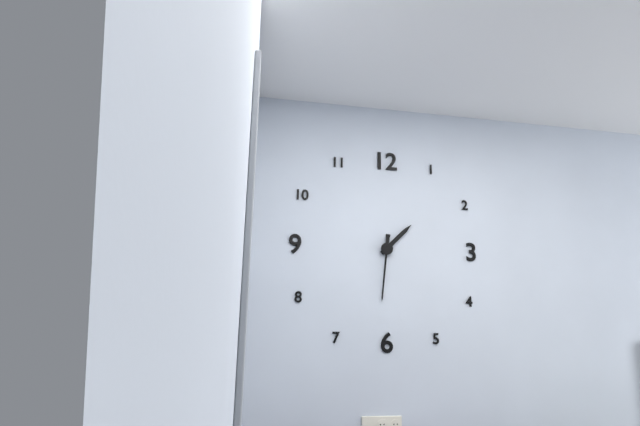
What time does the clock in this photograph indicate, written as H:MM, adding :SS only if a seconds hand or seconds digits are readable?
1:31
